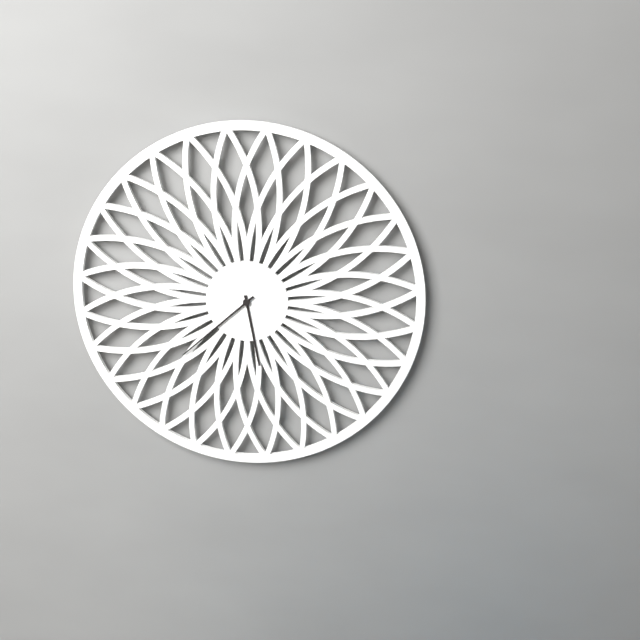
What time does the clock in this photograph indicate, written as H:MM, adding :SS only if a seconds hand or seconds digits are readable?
5:38
